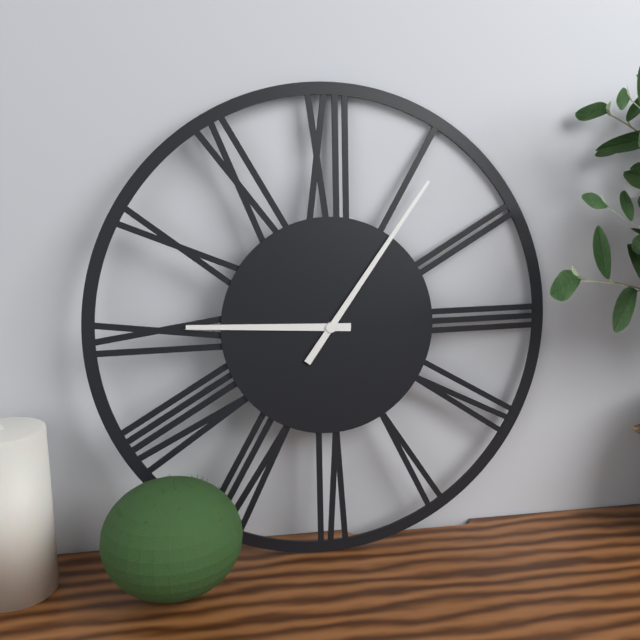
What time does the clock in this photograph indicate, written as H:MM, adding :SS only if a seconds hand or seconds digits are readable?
9:06
